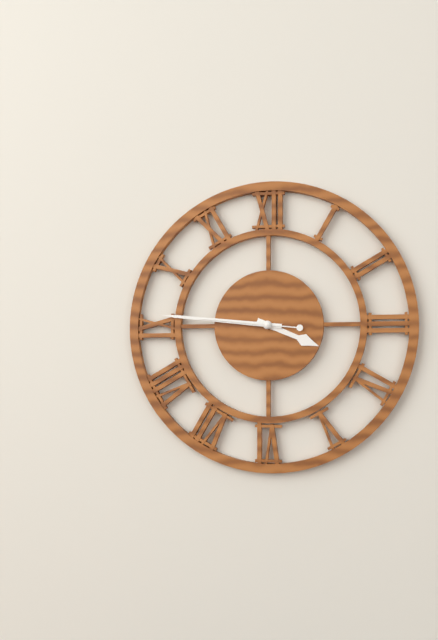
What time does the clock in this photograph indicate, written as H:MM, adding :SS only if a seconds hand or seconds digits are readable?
3:46:46
